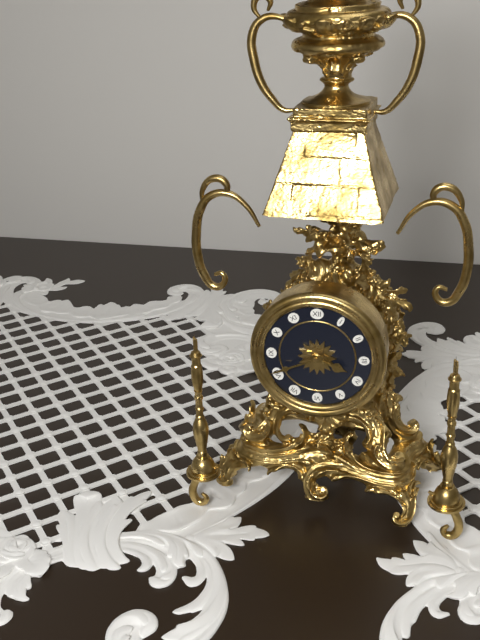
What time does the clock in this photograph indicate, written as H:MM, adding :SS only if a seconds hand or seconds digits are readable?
3:41
